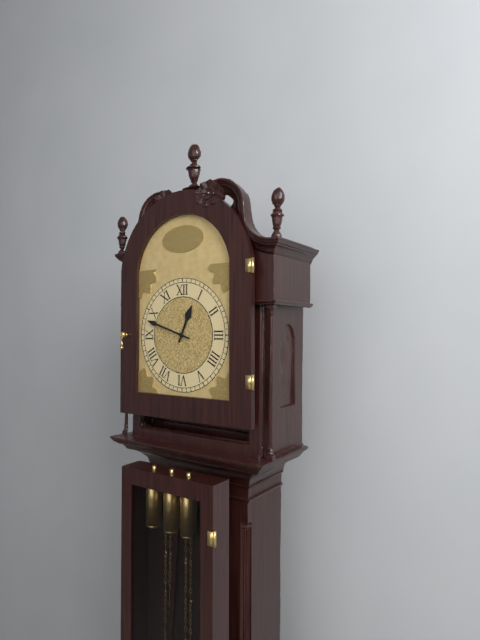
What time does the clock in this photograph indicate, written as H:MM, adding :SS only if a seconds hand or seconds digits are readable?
12:48
